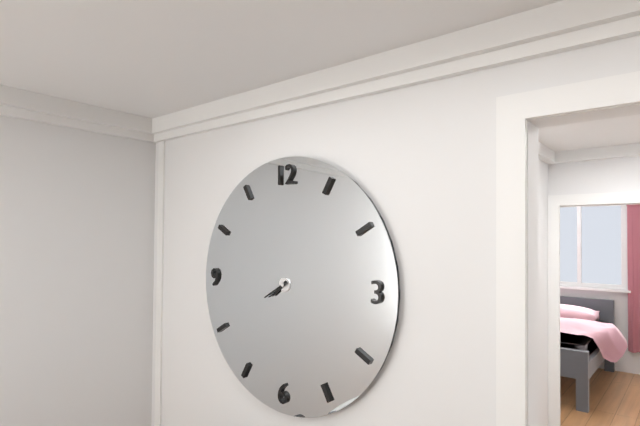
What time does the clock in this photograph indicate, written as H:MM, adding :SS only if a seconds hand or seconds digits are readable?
7:40
